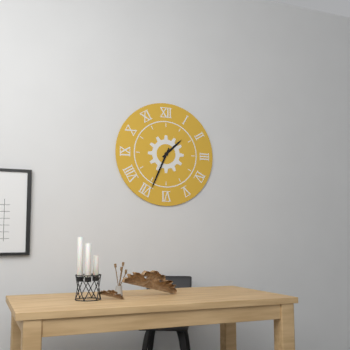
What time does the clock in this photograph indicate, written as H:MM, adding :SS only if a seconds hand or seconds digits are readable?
1:34
